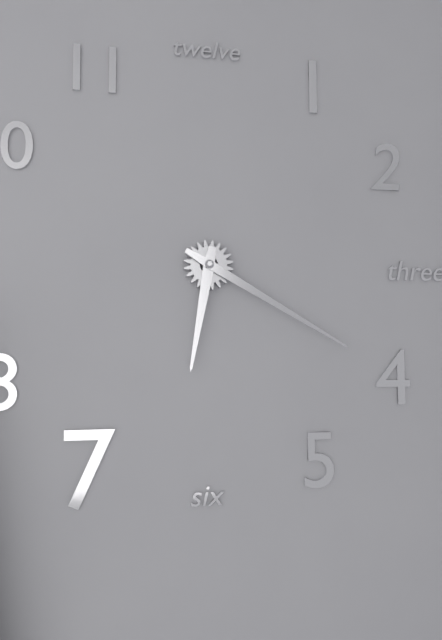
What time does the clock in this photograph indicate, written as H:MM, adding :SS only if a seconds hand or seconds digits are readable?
6:20
